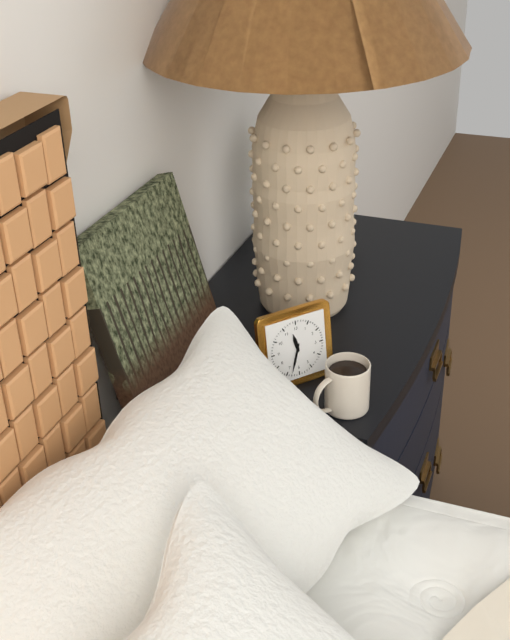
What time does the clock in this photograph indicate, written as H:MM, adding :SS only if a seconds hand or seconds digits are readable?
11:33
